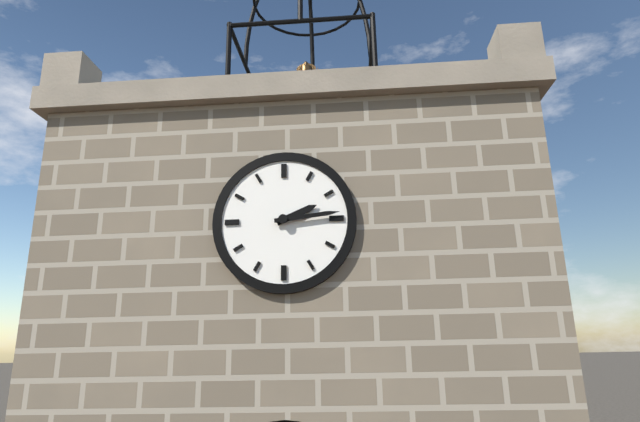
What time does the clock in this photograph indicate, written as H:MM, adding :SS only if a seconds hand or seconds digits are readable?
2:14
